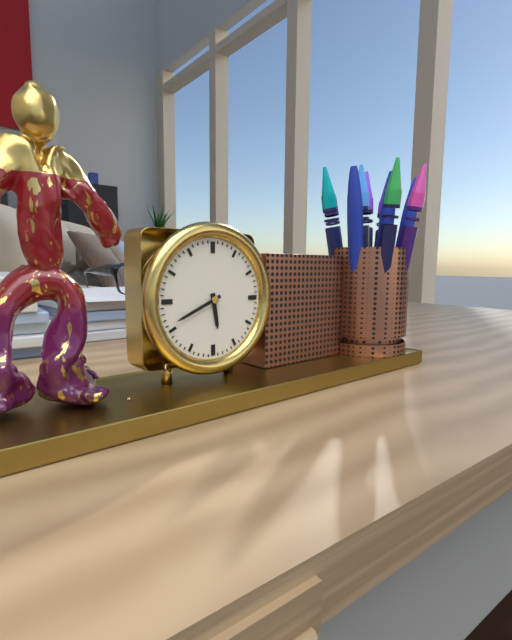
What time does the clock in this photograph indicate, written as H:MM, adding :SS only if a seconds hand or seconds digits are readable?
5:41
